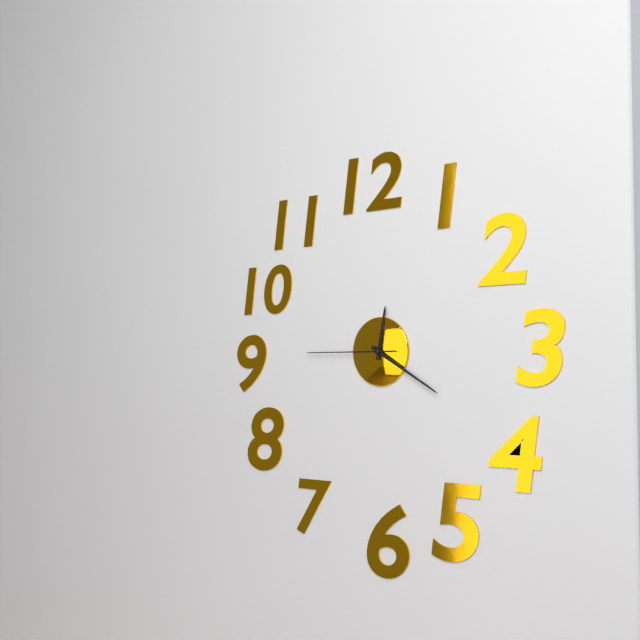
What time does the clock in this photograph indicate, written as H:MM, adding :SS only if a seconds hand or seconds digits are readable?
12:20:45
